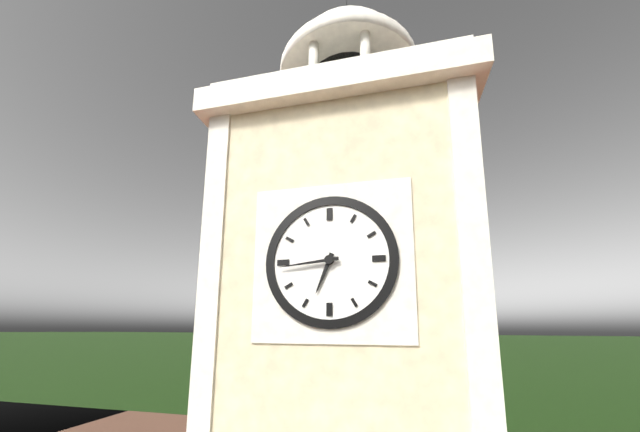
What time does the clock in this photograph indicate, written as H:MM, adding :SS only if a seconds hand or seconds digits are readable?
6:44
